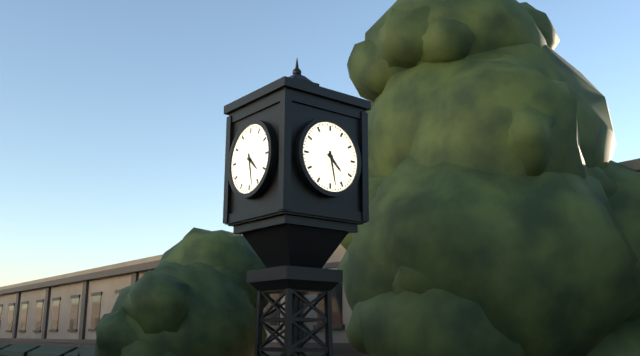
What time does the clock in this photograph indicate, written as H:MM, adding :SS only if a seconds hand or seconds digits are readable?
4:28
